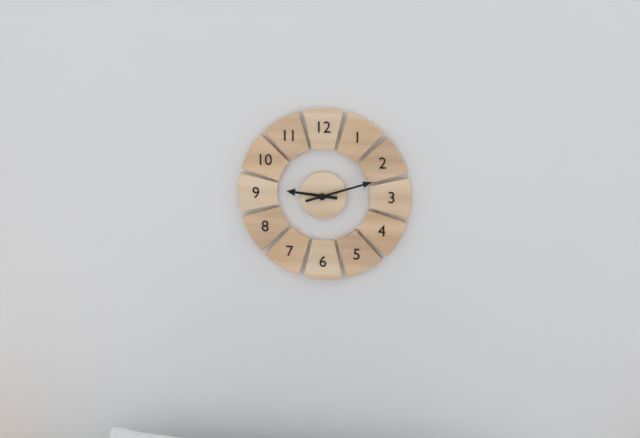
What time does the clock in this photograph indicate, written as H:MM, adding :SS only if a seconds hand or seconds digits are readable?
9:12
